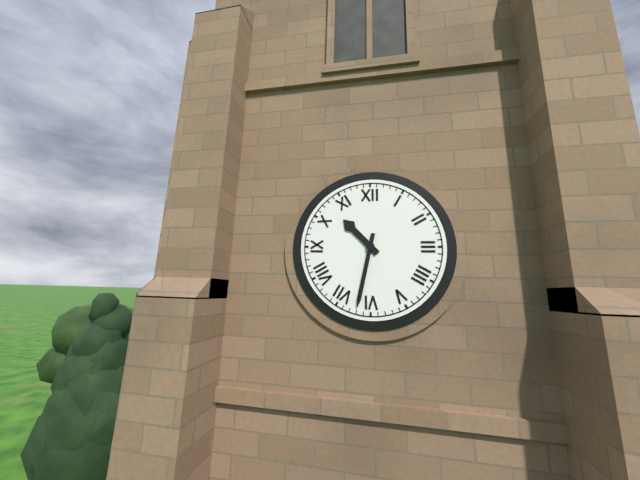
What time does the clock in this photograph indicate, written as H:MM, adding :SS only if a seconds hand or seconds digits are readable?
10:32
